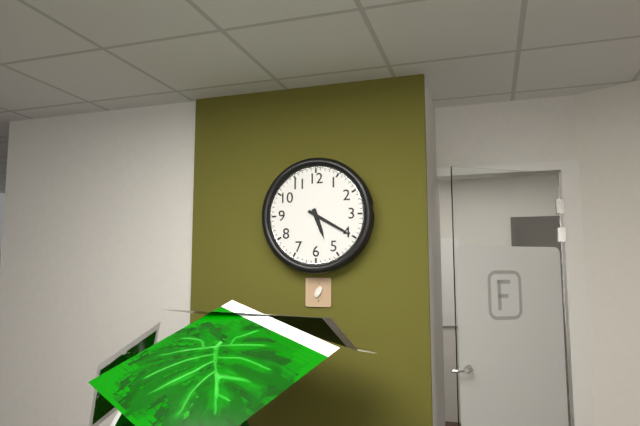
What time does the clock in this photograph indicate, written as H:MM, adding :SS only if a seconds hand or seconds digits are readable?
5:20
